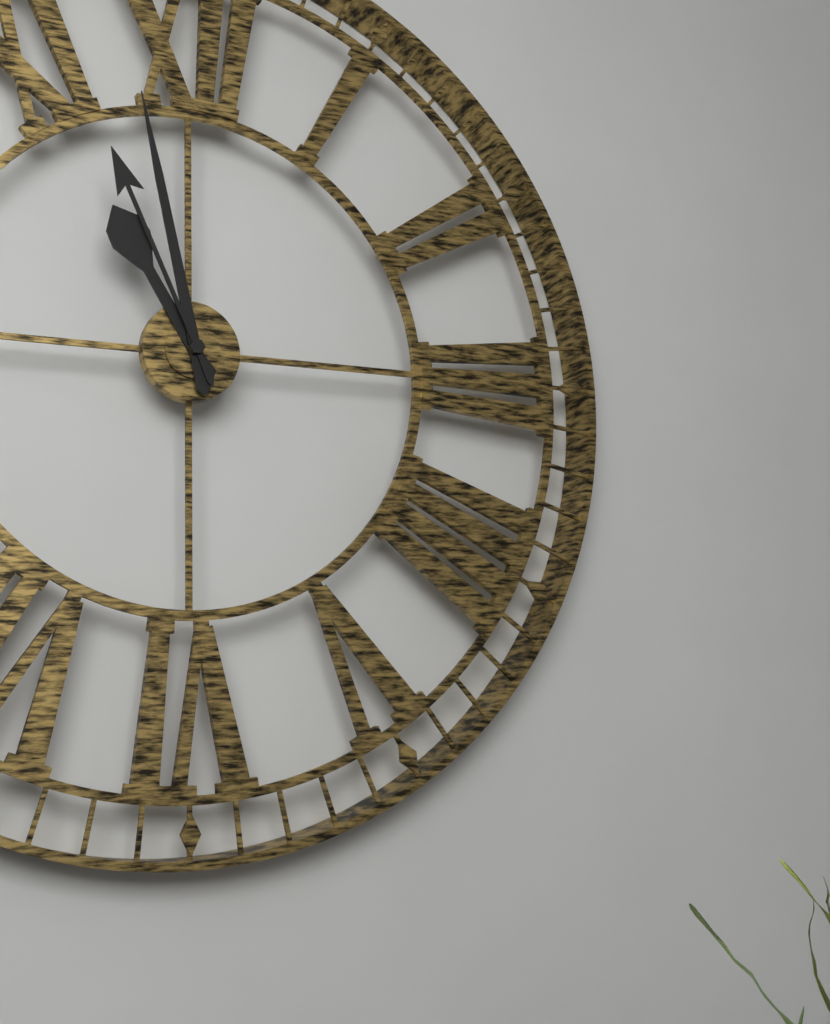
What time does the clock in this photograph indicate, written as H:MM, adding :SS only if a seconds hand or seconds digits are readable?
10:58:56
